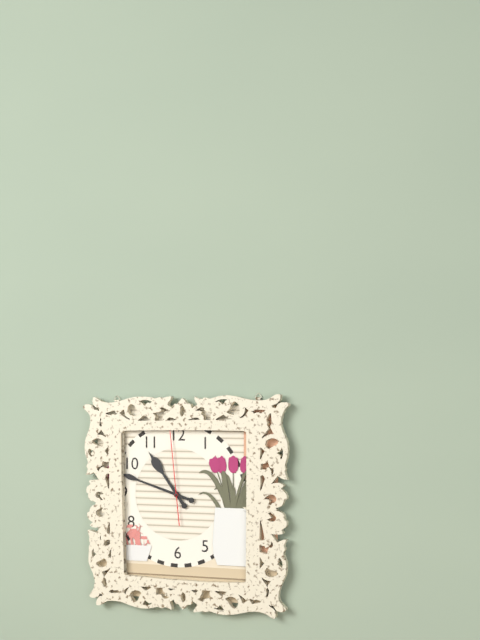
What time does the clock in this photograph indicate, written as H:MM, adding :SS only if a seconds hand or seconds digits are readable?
10:48:59
